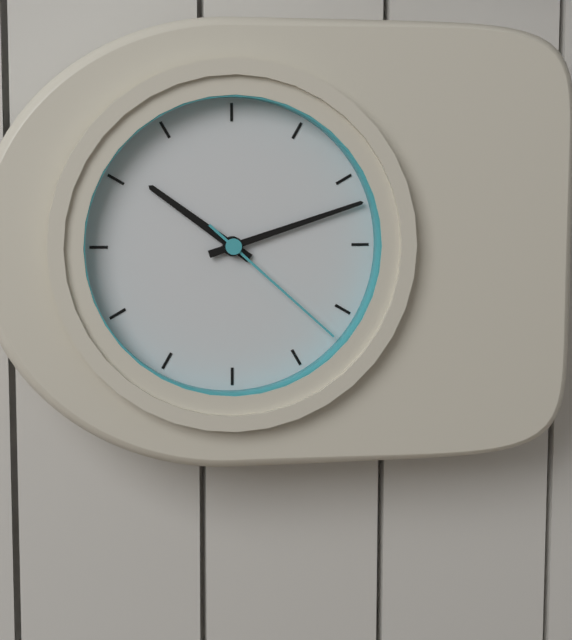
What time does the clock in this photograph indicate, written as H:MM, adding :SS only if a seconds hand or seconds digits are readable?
10:12:22
